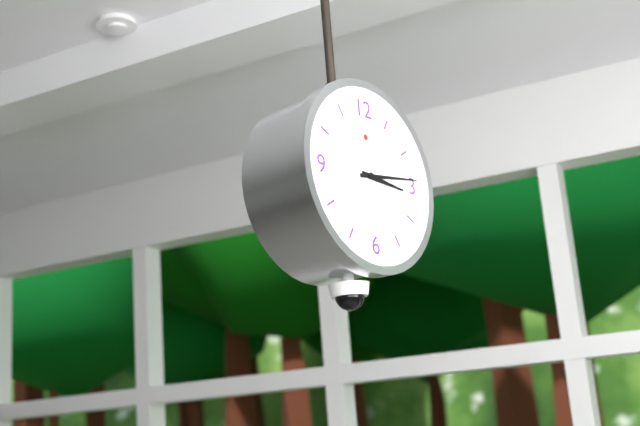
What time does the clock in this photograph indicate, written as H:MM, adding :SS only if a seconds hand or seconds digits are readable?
3:14
